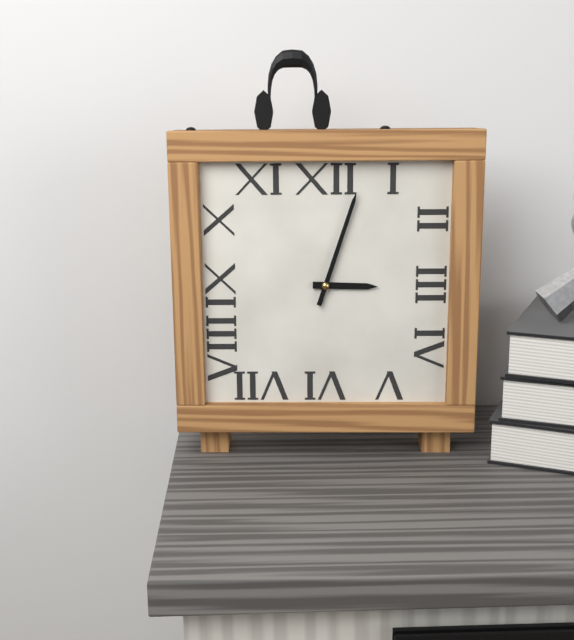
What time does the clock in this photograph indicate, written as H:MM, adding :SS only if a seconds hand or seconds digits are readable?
3:03
